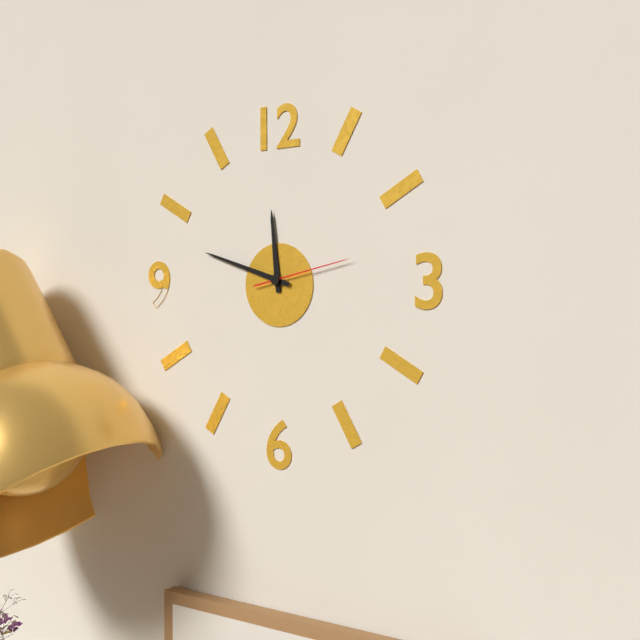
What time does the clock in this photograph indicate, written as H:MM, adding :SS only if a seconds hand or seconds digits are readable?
11:48:13
